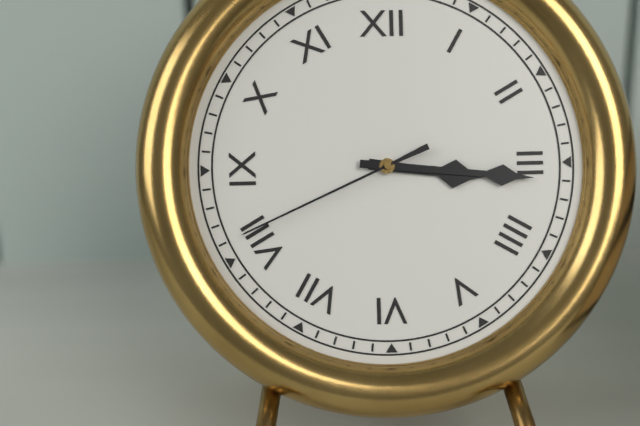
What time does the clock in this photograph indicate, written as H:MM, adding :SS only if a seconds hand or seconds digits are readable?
3:16:41
